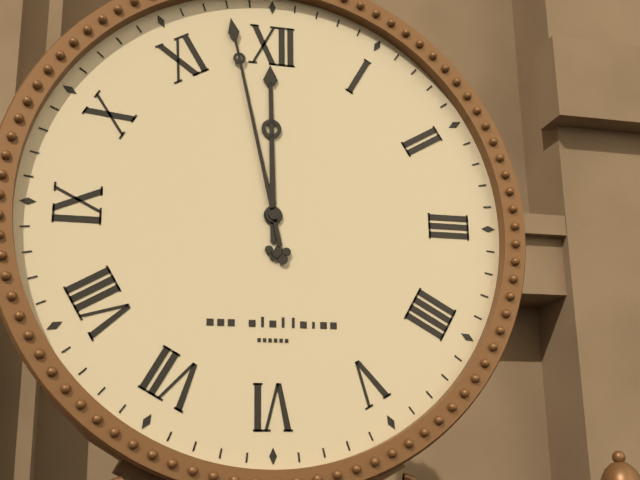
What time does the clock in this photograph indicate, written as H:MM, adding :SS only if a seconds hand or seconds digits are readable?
11:58
